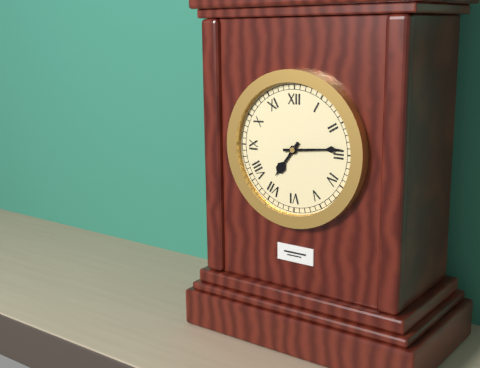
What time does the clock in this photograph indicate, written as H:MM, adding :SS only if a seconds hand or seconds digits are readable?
7:14
